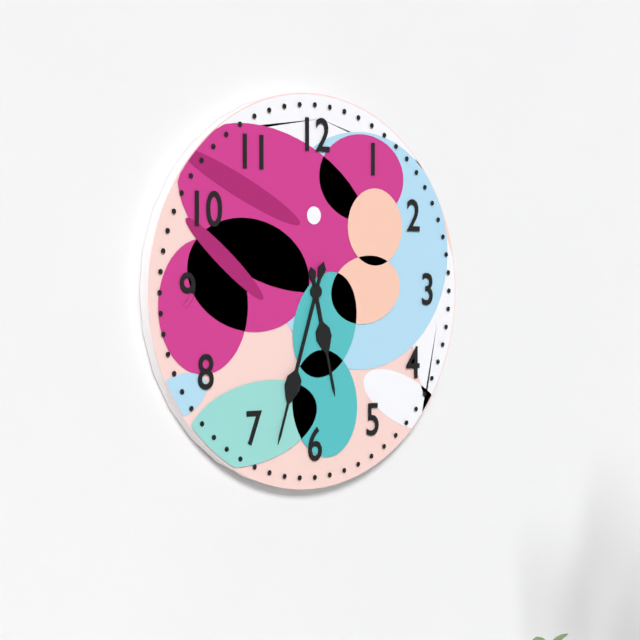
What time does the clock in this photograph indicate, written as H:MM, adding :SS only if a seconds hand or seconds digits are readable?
5:33
